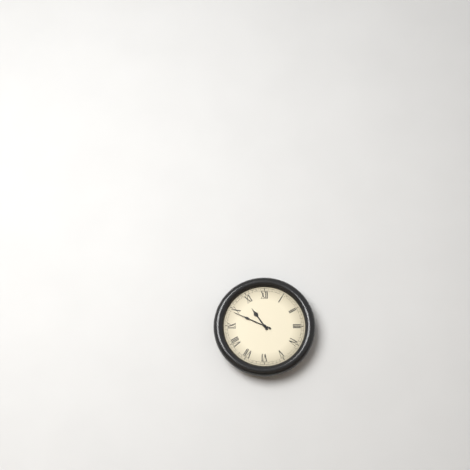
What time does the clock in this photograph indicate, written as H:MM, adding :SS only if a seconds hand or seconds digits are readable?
10:49
